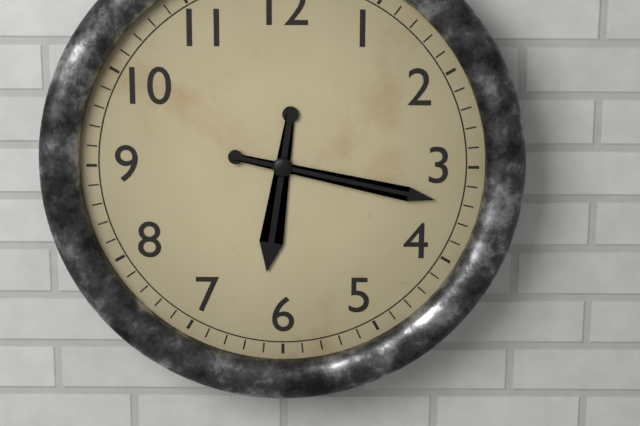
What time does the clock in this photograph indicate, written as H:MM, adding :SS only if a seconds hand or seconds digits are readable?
6:17
